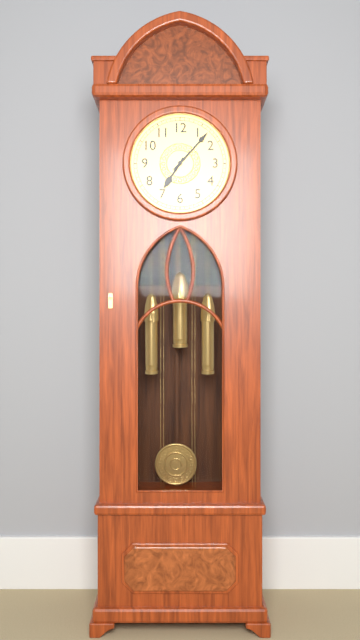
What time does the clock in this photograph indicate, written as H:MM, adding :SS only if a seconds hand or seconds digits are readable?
7:07
